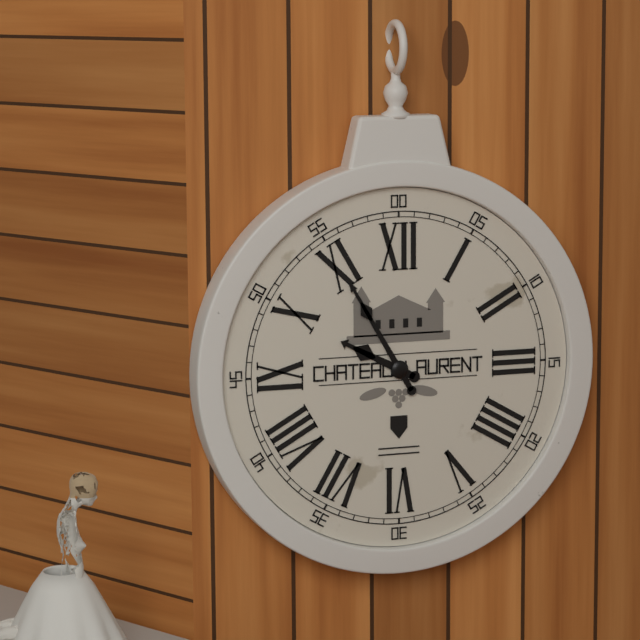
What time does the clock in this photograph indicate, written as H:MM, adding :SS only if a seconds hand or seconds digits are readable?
9:55
